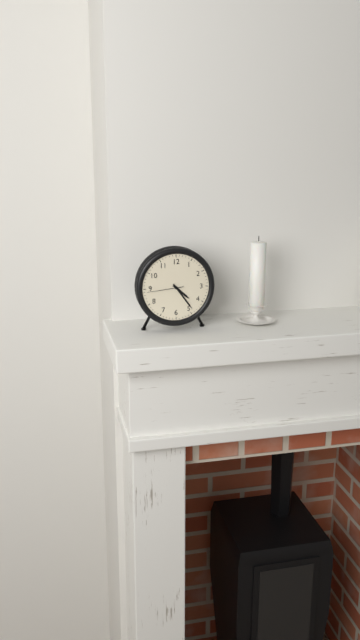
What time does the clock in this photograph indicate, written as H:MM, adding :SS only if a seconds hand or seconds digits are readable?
4:24
